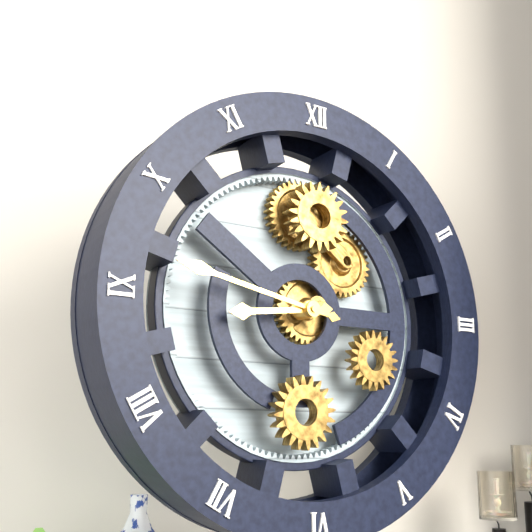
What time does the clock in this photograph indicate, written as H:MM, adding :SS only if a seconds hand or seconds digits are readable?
8:47
